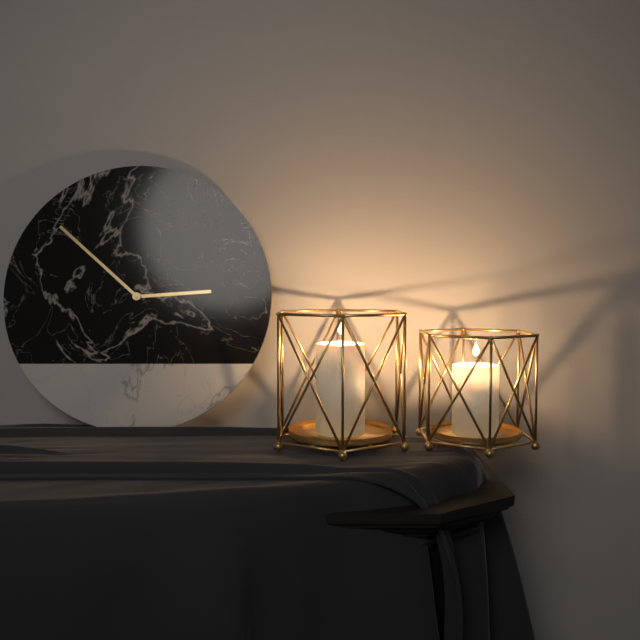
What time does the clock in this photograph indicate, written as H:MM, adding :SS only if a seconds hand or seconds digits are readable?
2:52
